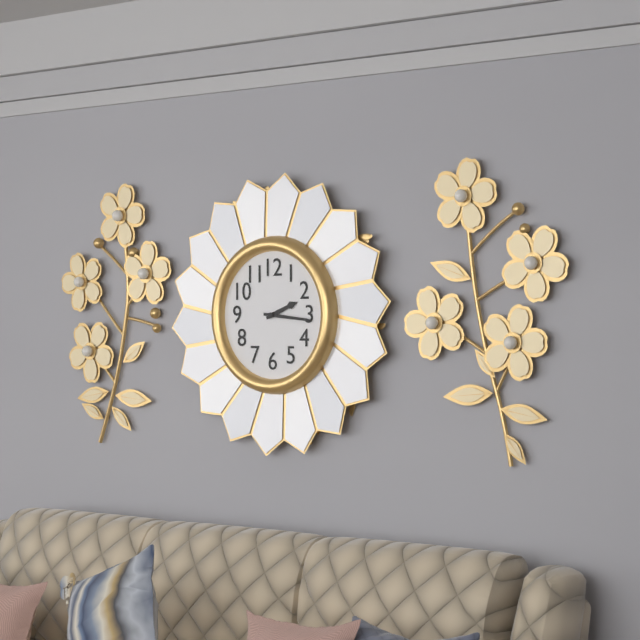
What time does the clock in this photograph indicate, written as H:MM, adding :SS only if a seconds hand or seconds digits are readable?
2:16
